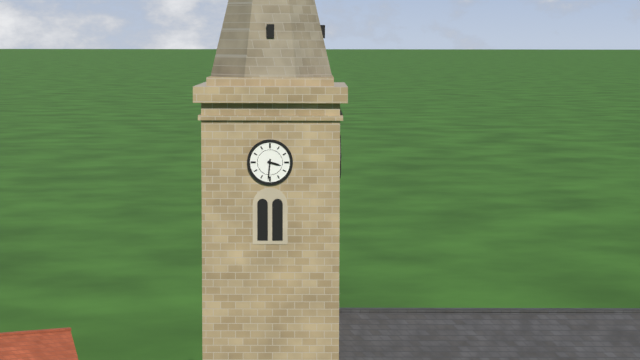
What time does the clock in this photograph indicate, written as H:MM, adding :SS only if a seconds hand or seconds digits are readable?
3:31
